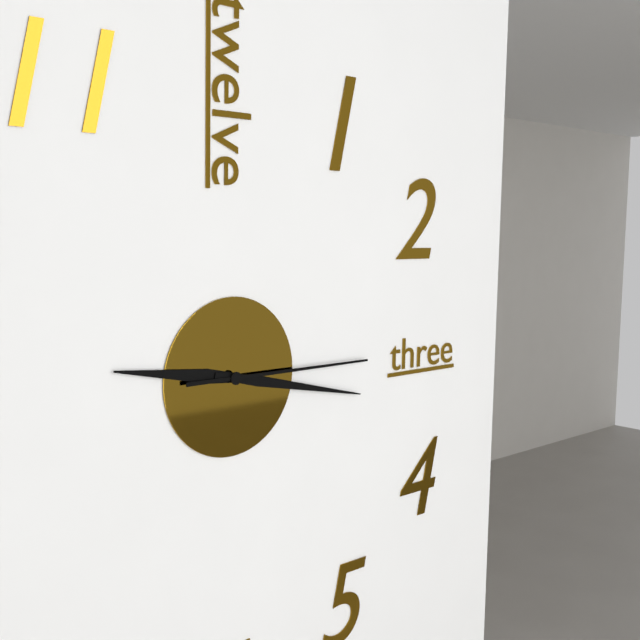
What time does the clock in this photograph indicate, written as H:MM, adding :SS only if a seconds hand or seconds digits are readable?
9:17:15
